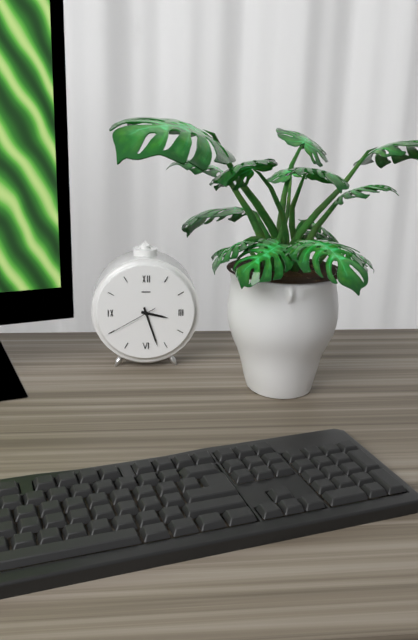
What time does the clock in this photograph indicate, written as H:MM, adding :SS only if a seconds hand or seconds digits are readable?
3:27:40
